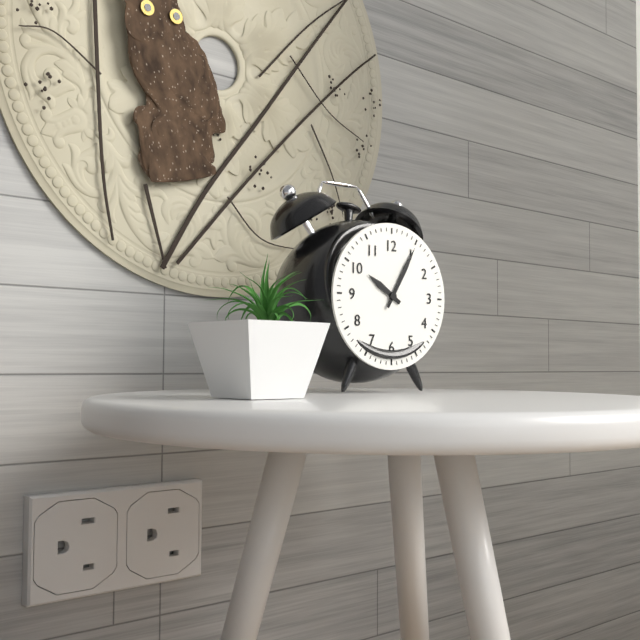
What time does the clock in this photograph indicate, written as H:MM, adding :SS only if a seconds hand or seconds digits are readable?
10:05
